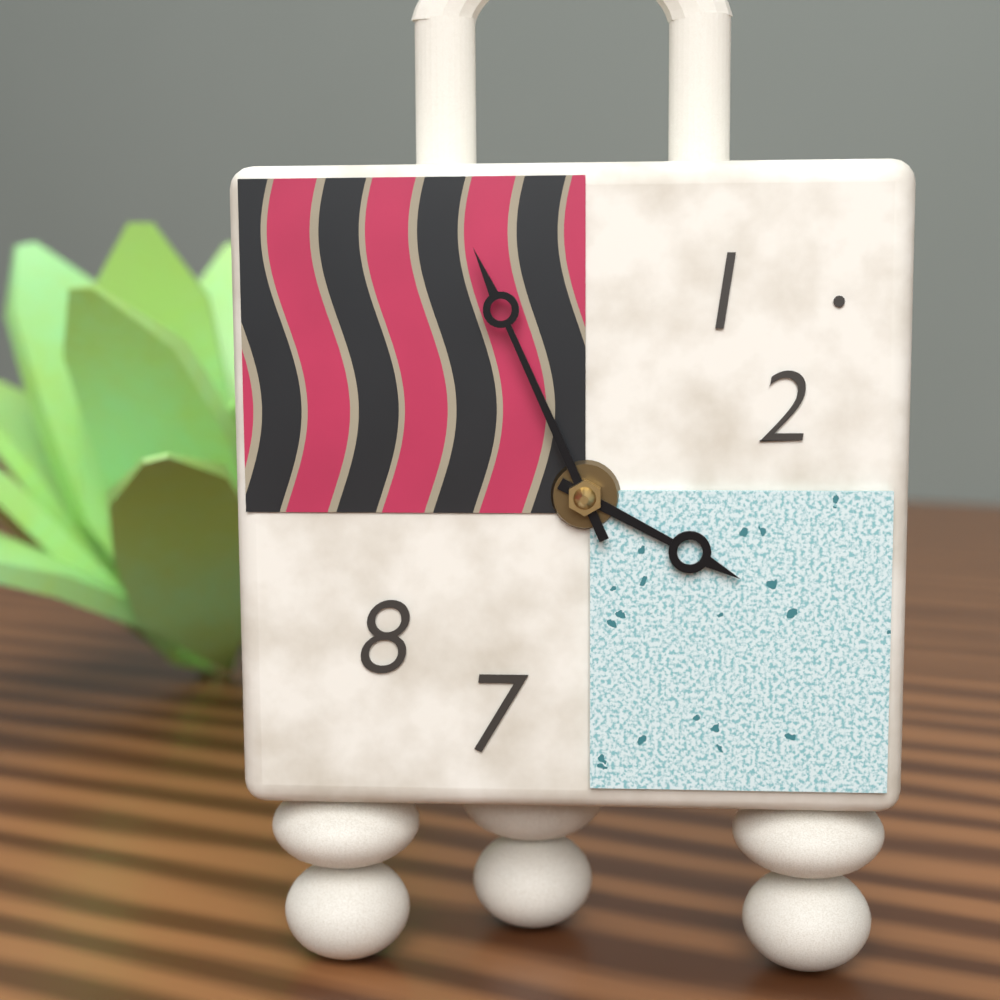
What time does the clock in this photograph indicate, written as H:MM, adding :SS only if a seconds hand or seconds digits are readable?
3:56
